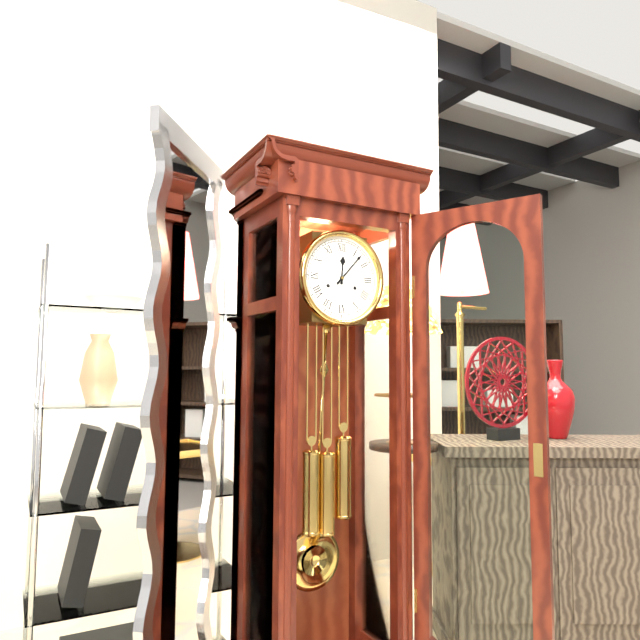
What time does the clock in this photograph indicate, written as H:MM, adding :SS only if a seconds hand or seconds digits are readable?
12:07
